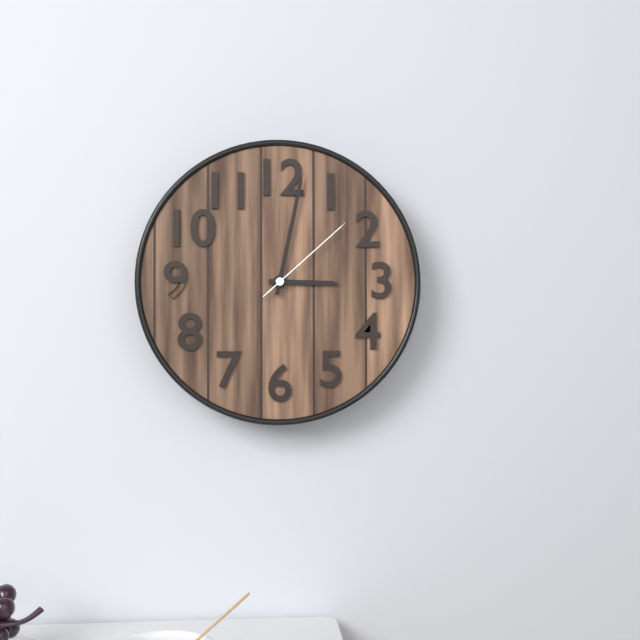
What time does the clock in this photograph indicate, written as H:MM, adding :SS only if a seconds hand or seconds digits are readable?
3:02:08
